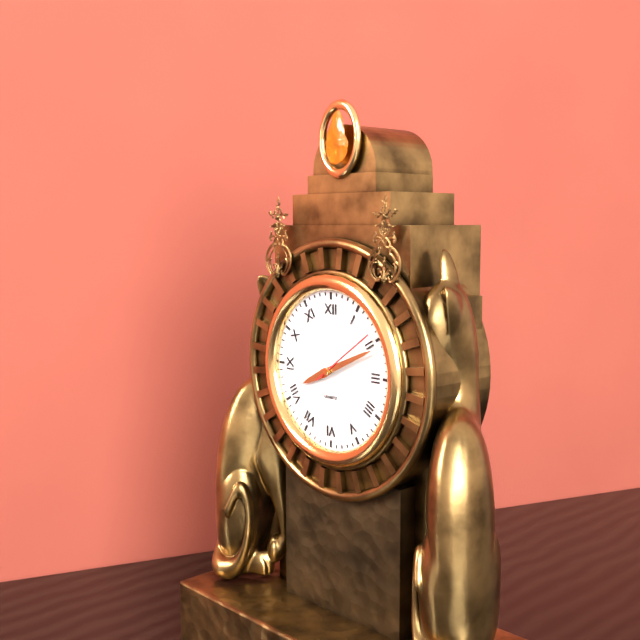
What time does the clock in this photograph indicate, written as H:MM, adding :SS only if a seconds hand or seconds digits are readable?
8:11:09
